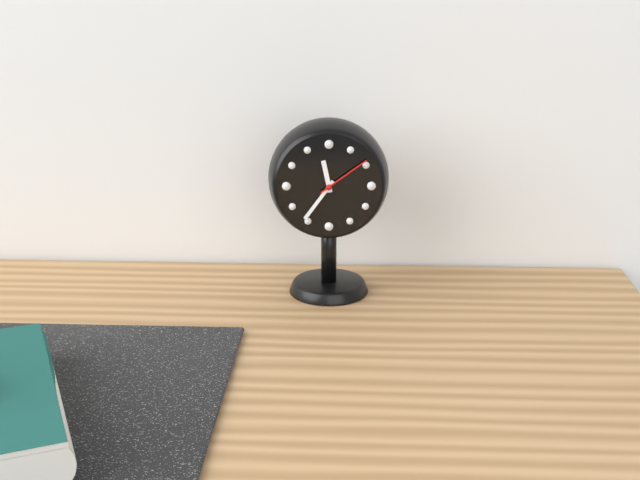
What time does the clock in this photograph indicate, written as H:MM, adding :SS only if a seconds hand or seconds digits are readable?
11:36:09
